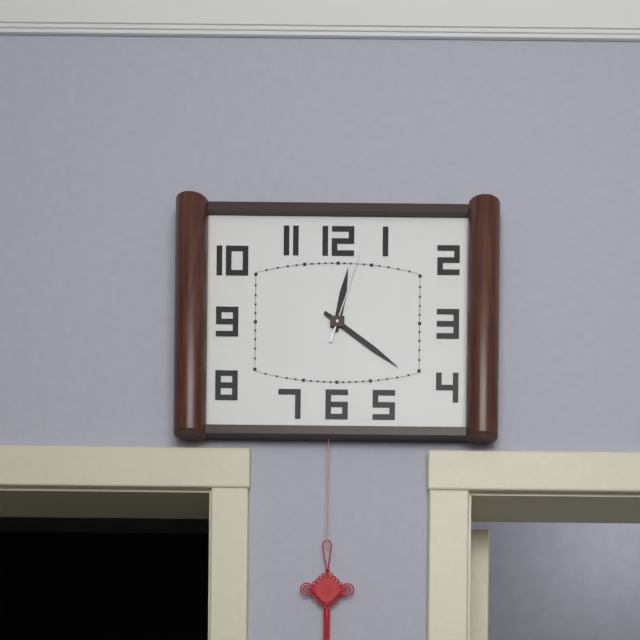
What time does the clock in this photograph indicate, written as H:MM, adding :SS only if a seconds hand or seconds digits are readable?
12:21:03
